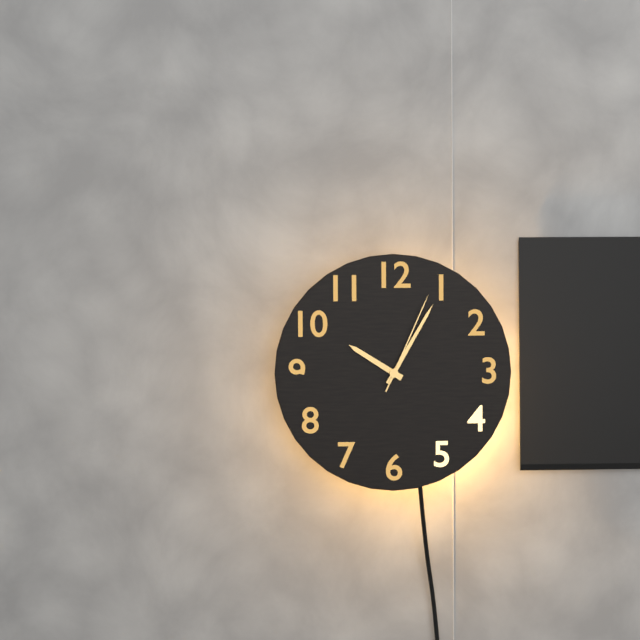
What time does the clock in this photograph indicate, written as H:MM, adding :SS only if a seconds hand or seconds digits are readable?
10:05:04
